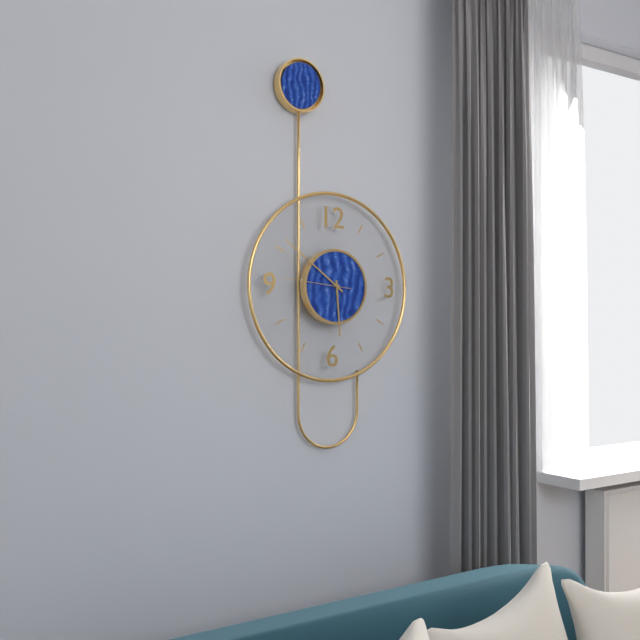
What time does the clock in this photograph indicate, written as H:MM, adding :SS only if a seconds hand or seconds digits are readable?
5:51:46
